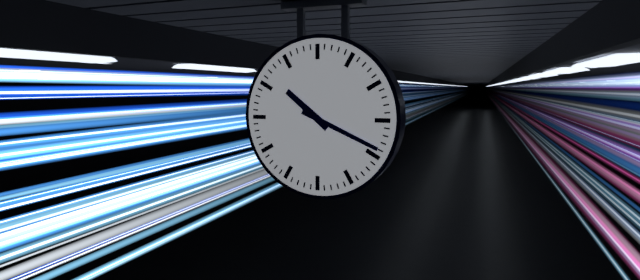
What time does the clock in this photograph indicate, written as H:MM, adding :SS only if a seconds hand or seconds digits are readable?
10:19
